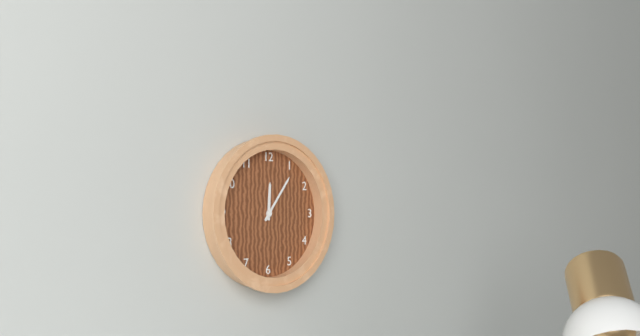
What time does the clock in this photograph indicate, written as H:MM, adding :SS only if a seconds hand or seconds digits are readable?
12:06
